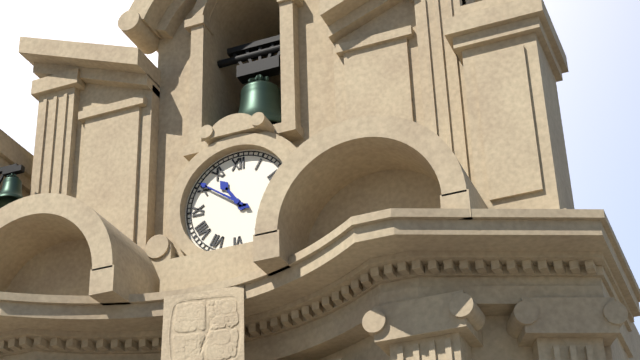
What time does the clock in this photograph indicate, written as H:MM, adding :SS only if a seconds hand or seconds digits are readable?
10:51
